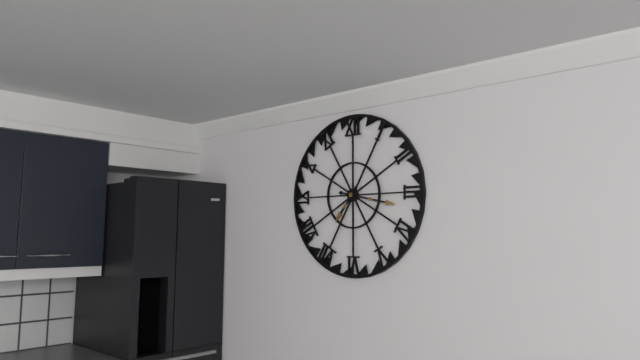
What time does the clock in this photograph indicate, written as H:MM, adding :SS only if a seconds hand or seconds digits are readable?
7:17
